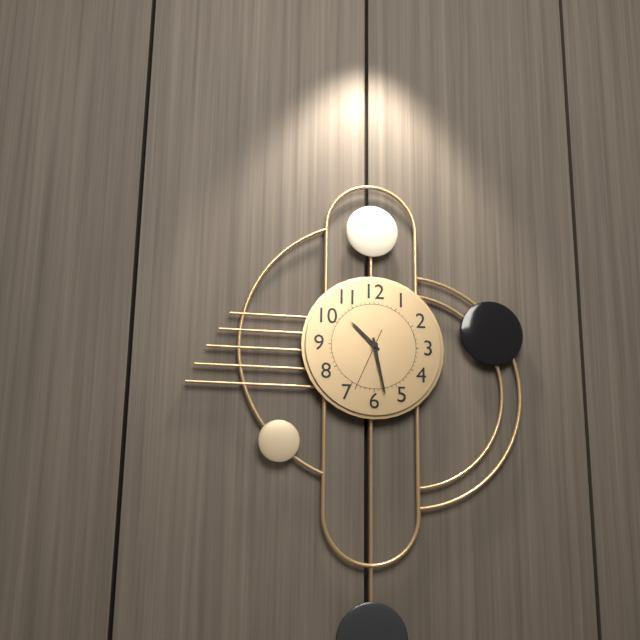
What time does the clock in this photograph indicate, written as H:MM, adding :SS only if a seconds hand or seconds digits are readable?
10:28:34
